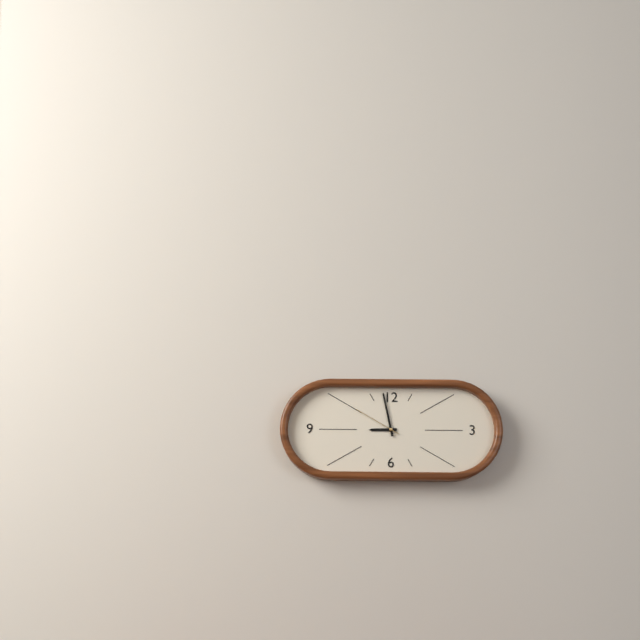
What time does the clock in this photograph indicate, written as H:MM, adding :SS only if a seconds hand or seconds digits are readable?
8:58:50
